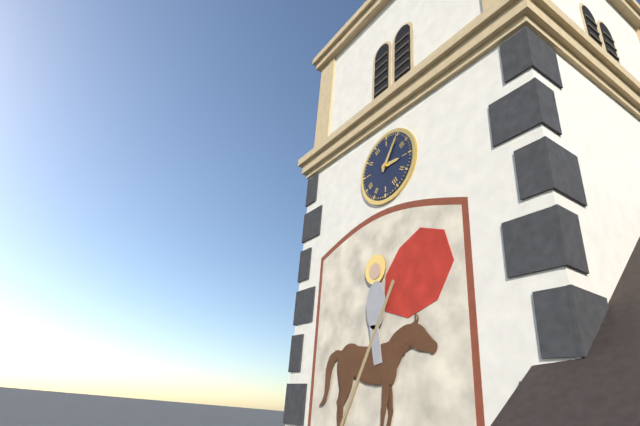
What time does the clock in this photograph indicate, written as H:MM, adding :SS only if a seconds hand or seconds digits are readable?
3:05
